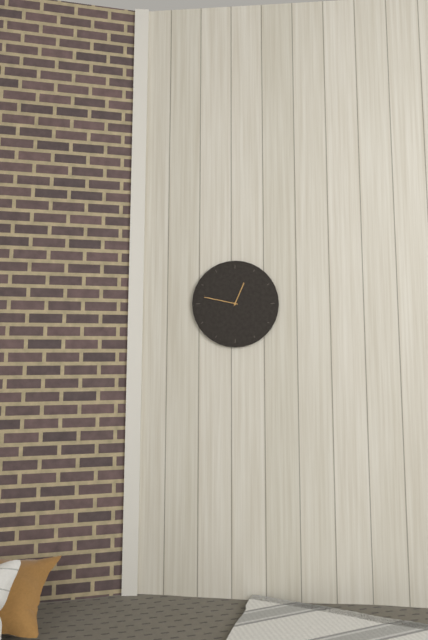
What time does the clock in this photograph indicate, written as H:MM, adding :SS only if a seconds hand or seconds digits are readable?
12:47
